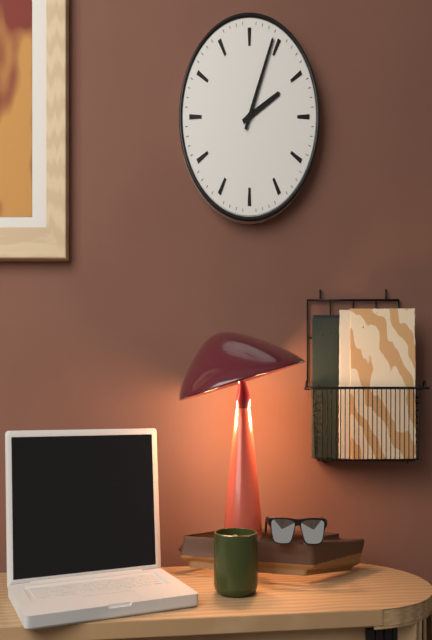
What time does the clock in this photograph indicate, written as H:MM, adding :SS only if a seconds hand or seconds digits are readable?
2:04
